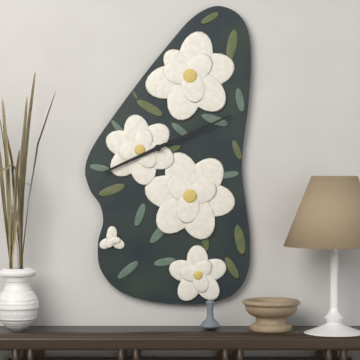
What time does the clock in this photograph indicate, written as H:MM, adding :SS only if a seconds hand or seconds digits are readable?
8:11
